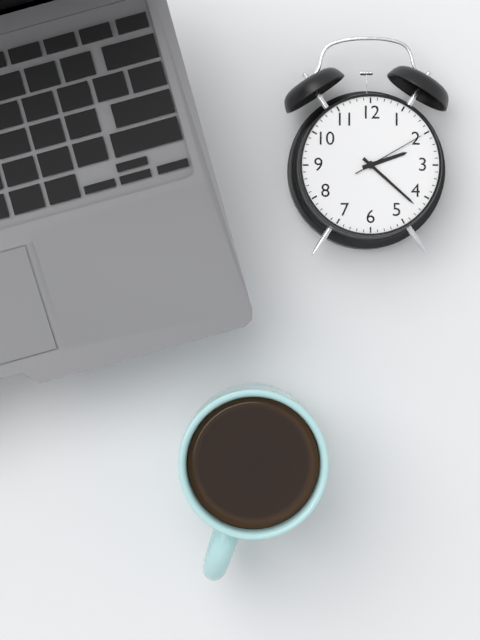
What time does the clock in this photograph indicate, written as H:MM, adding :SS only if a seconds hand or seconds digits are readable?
2:22:10
